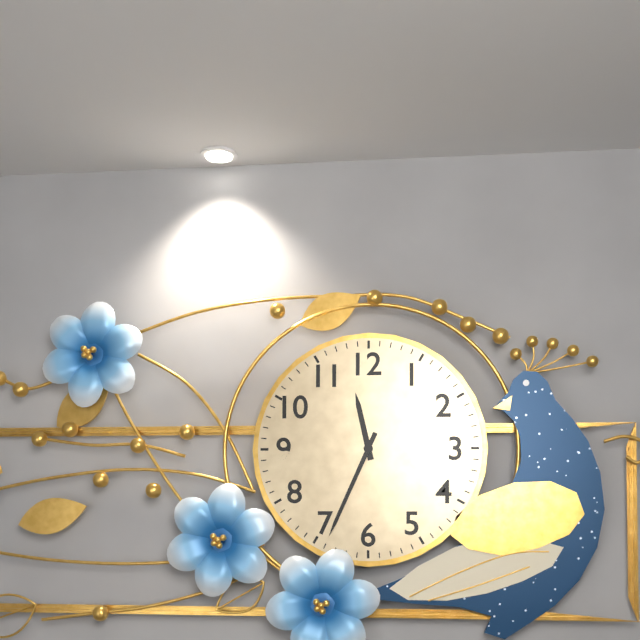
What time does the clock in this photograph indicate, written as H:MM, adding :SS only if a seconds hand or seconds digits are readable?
11:34
